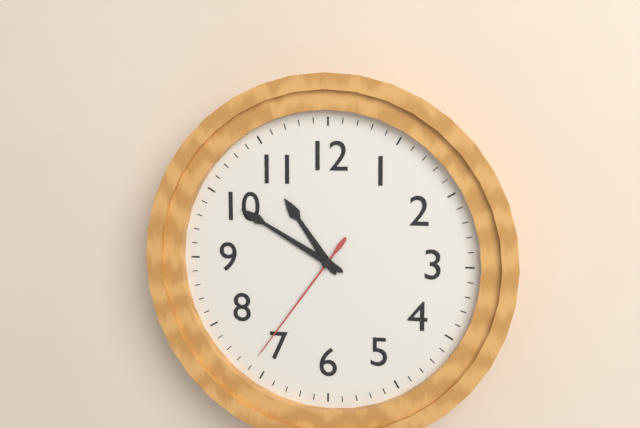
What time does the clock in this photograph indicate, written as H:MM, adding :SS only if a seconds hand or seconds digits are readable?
10:50:36
